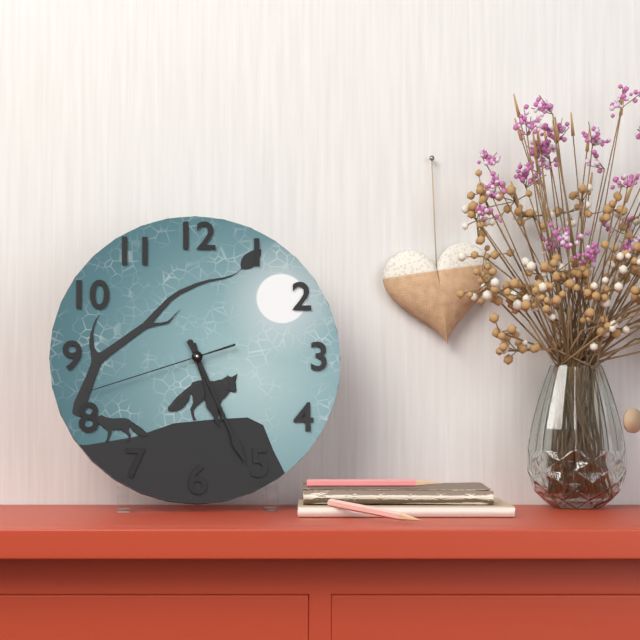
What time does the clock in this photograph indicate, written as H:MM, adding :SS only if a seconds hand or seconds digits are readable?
5:26:42
